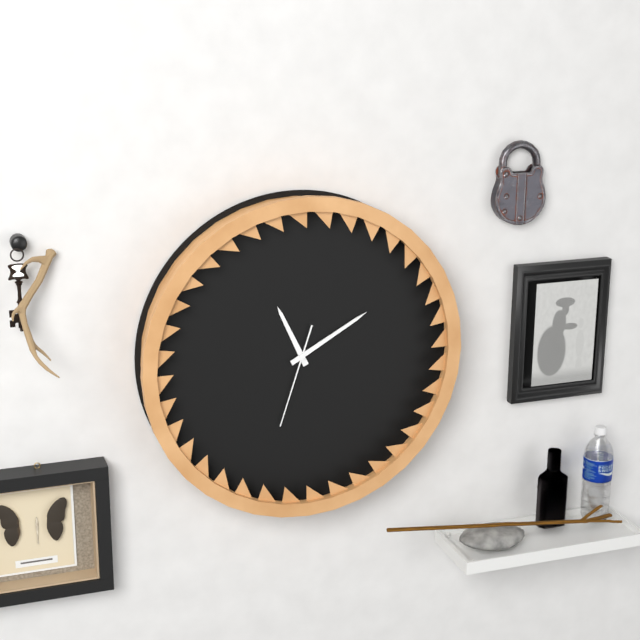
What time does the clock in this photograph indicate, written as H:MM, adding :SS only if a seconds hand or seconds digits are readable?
11:10:33
